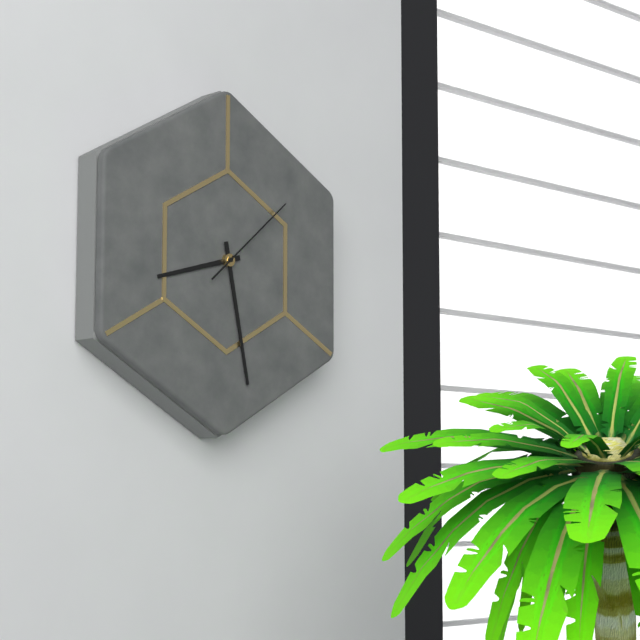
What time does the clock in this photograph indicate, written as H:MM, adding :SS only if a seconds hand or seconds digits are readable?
8:28:08
